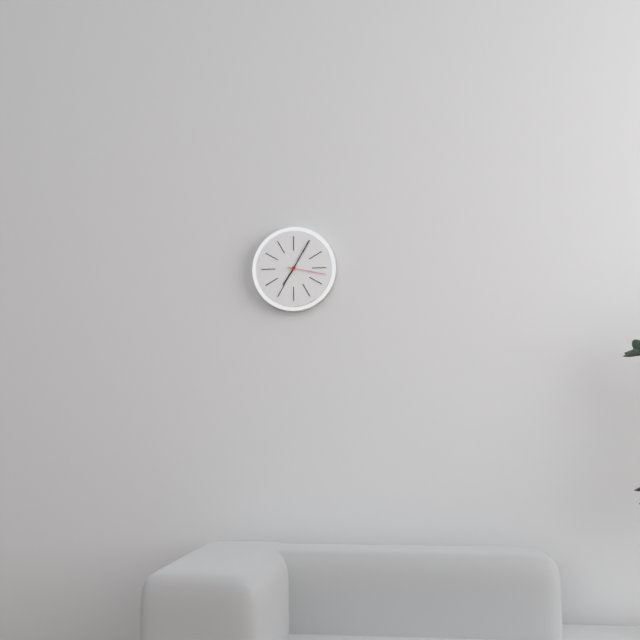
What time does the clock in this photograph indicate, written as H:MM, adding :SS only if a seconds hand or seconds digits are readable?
7:05
